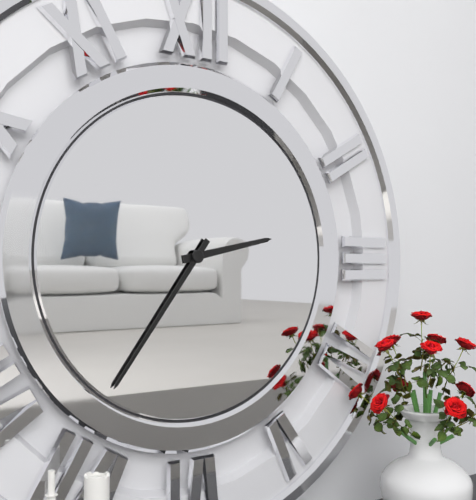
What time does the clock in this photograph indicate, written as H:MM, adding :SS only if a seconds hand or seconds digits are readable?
2:36
